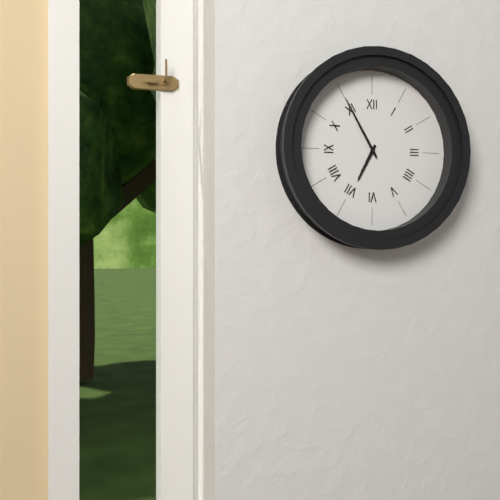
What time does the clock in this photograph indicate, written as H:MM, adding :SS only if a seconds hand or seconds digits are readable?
6:55
